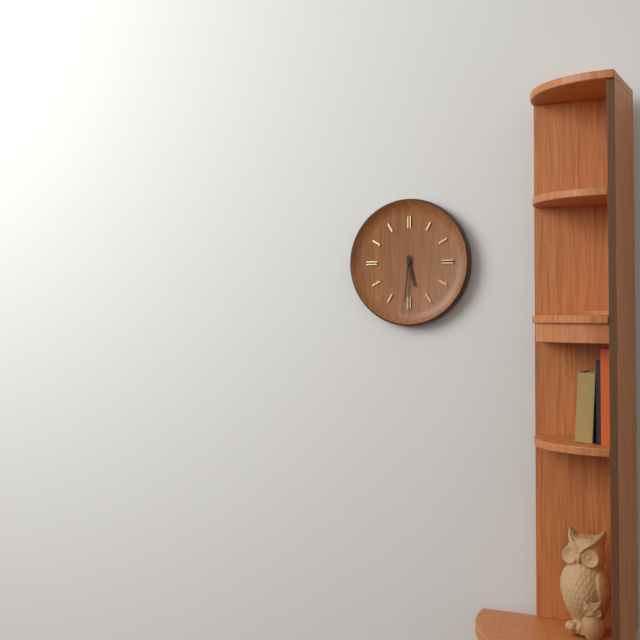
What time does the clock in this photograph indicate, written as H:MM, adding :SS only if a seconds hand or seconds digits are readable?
5:31
